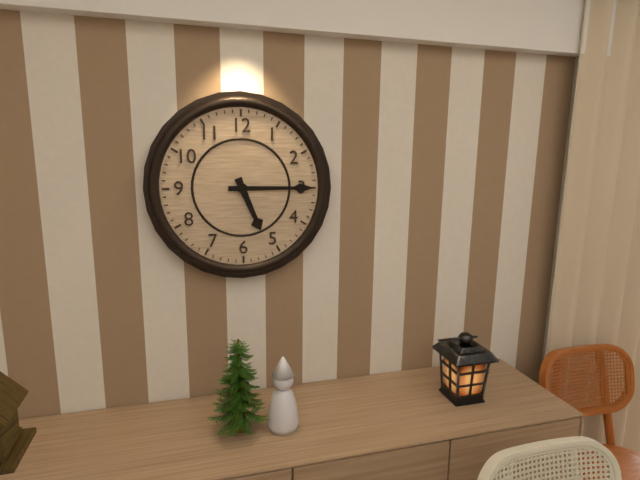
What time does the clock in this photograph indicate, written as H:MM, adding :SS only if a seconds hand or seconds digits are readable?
5:15
